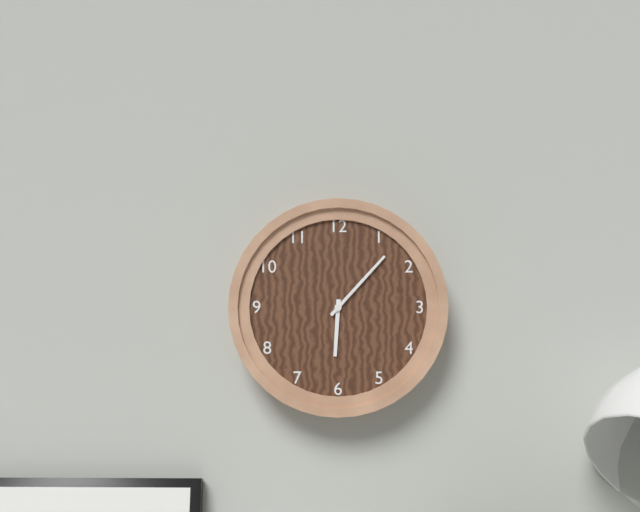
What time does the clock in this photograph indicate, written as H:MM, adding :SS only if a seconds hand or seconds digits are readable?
6:07
